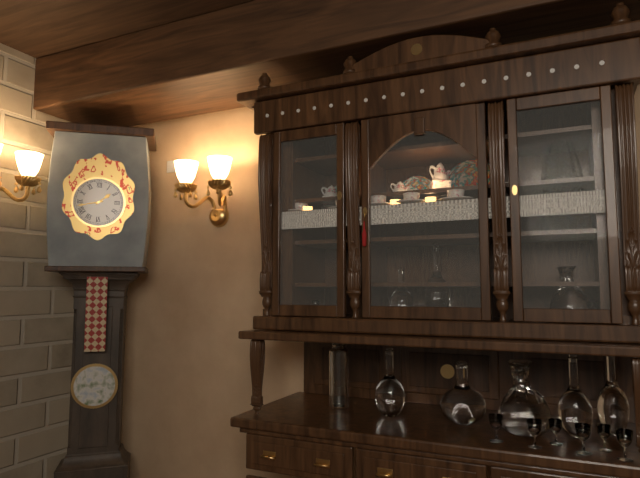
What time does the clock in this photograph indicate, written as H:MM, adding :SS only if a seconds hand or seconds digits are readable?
1:43
